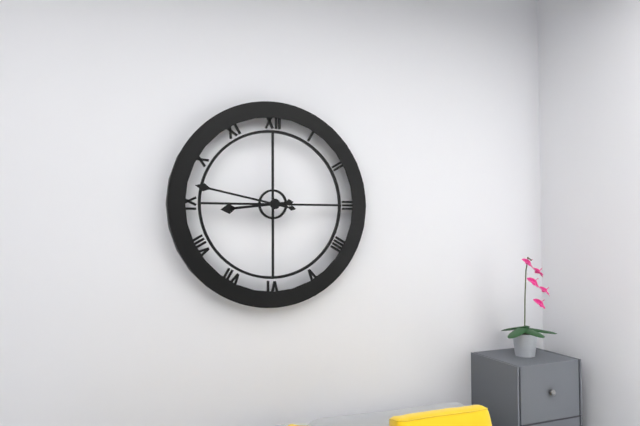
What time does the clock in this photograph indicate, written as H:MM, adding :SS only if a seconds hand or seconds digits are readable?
8:47
